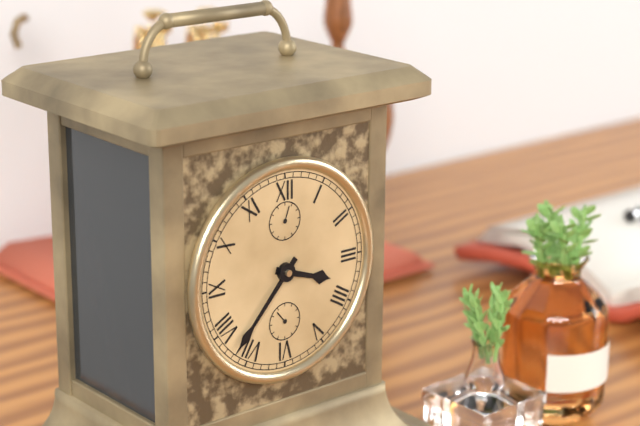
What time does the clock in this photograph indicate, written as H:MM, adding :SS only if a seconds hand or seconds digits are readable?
3:37
